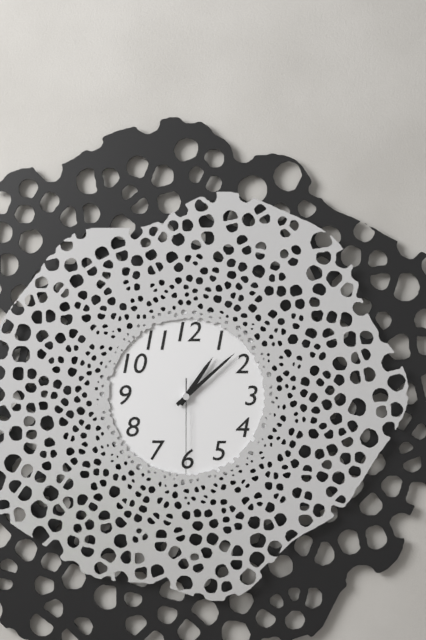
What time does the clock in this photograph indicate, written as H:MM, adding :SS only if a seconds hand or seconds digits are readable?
1:08:30
